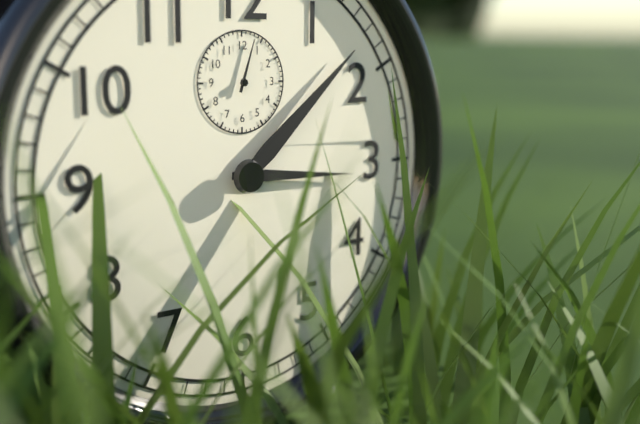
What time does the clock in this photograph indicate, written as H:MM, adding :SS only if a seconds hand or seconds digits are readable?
3:08:03
